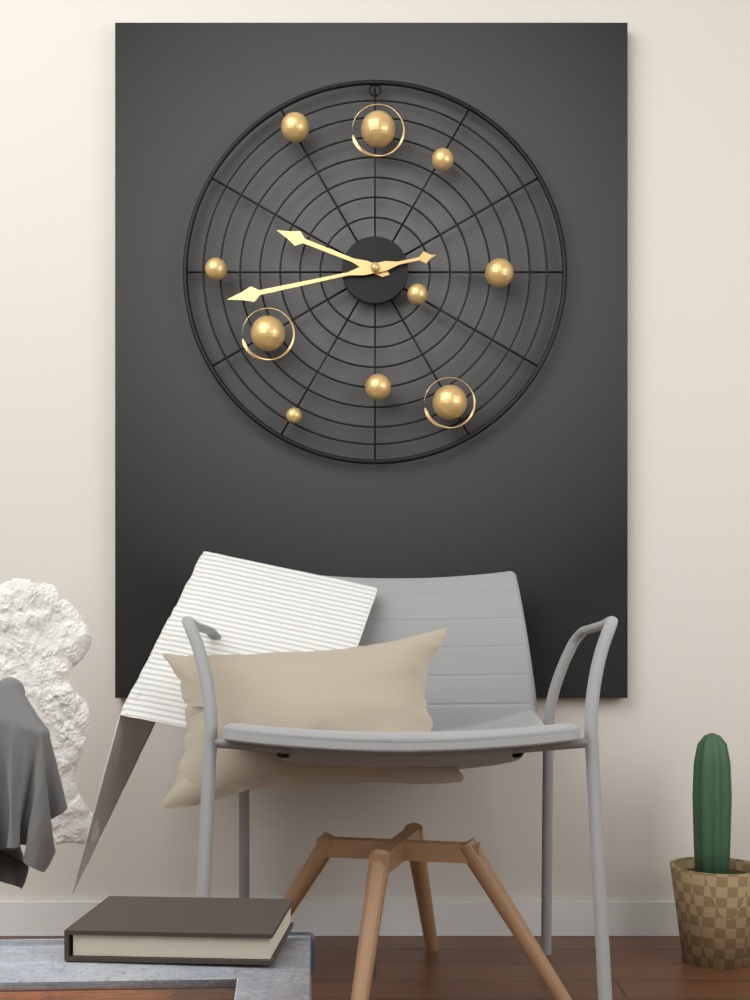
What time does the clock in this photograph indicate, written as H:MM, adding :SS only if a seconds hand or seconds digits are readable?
9:43
